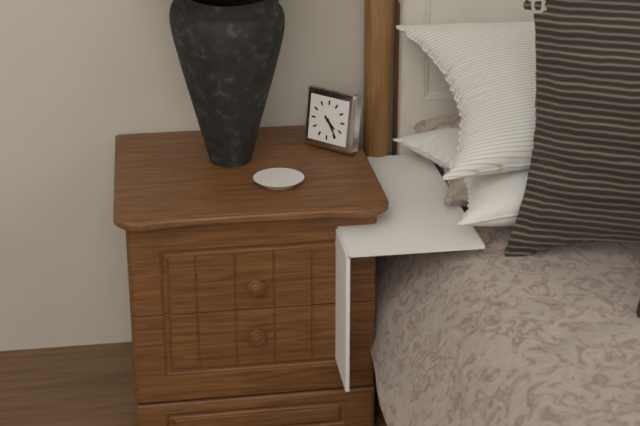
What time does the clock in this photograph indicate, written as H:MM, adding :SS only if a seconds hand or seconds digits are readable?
4:24
